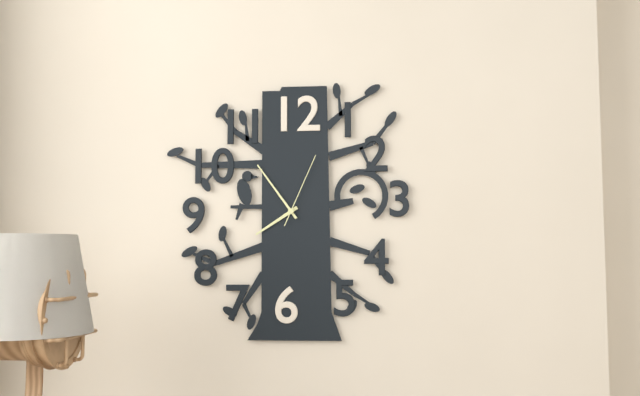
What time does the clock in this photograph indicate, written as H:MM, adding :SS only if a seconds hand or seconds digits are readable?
7:54:04
